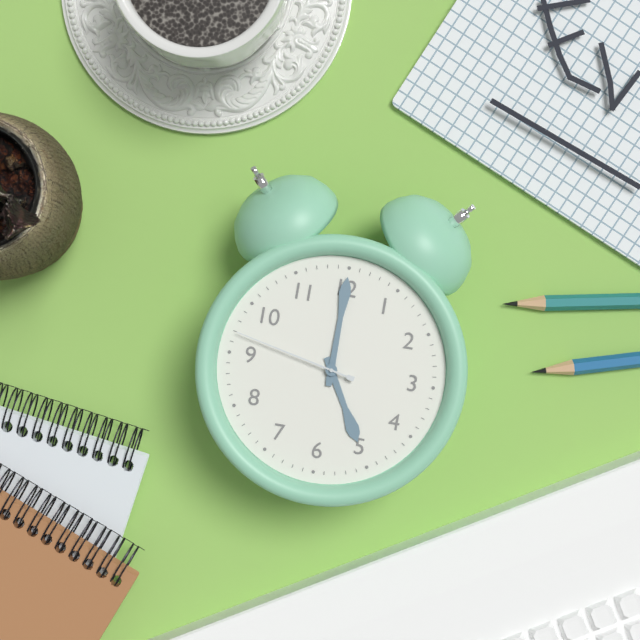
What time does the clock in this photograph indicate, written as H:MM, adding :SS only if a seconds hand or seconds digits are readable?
5:00:47
